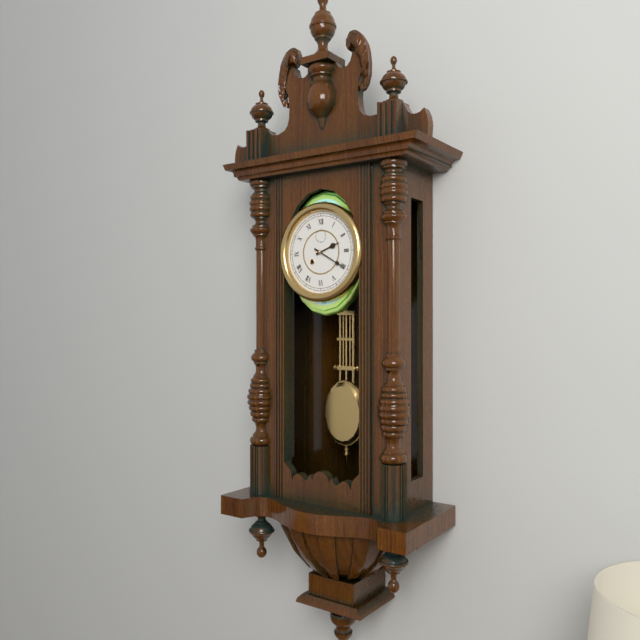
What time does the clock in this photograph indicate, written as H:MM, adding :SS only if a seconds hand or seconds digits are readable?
2:20
